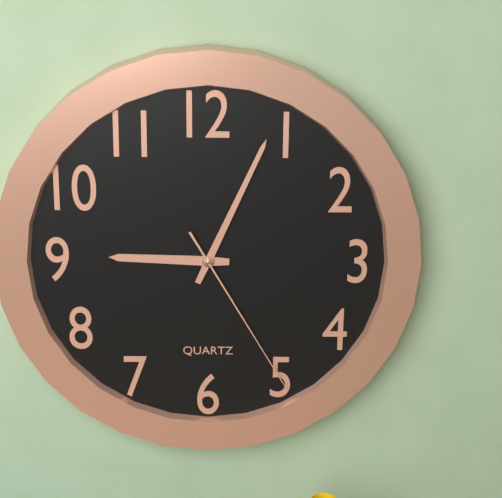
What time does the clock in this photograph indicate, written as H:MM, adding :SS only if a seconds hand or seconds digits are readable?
9:04:25
